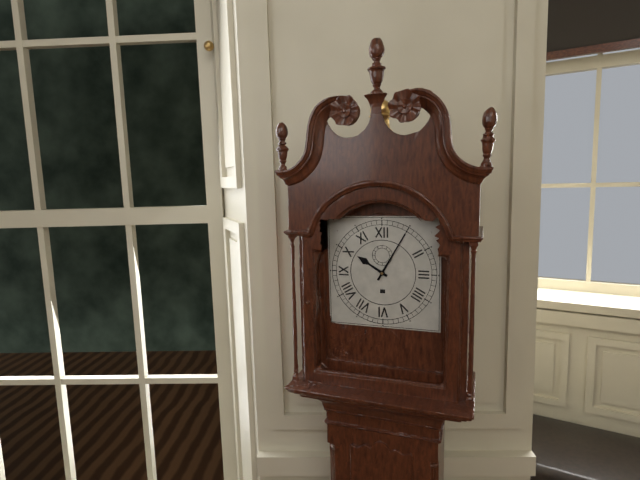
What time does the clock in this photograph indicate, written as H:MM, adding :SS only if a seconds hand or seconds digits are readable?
10:05
